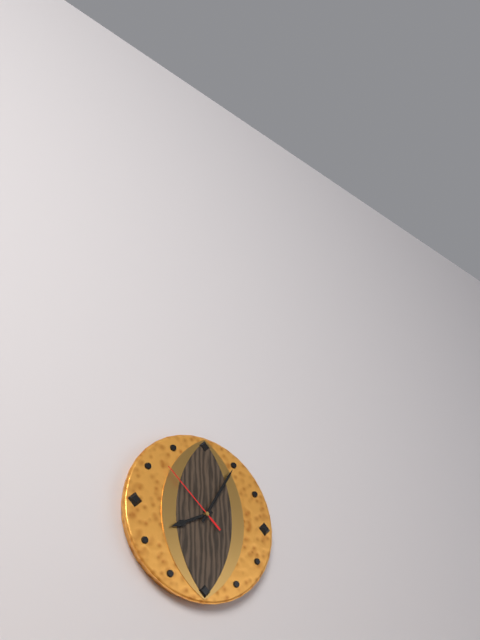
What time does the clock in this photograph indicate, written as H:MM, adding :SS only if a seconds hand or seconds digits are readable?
8:05:52
